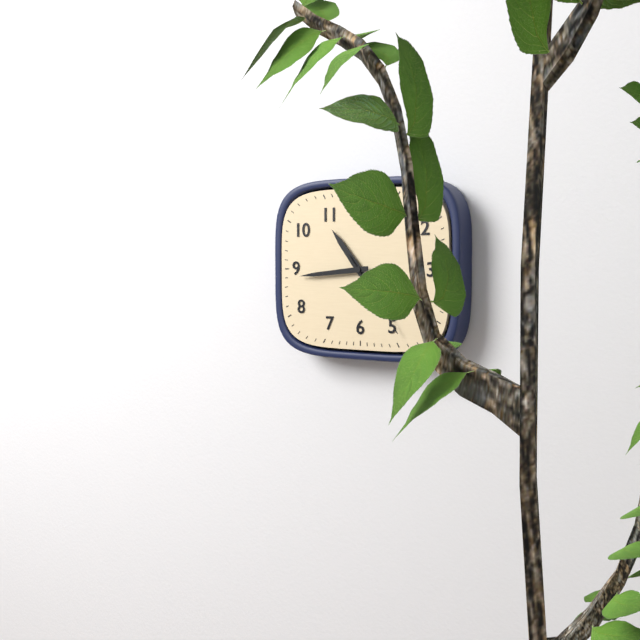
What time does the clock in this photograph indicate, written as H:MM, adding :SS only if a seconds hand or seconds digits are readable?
10:44:24
